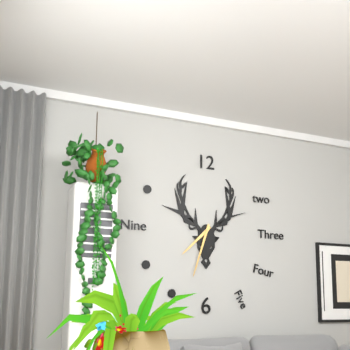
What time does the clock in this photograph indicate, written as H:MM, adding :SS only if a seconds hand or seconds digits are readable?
7:33
